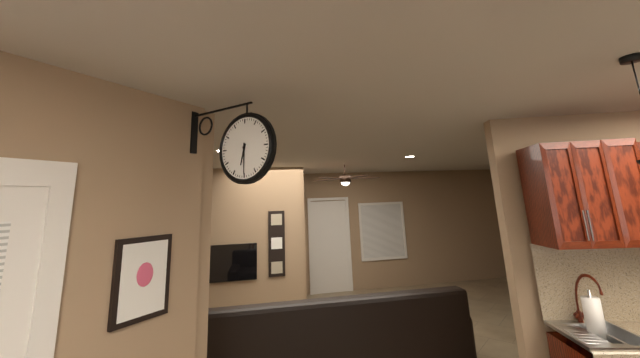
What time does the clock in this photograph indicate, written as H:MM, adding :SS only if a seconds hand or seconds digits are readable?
6:30
